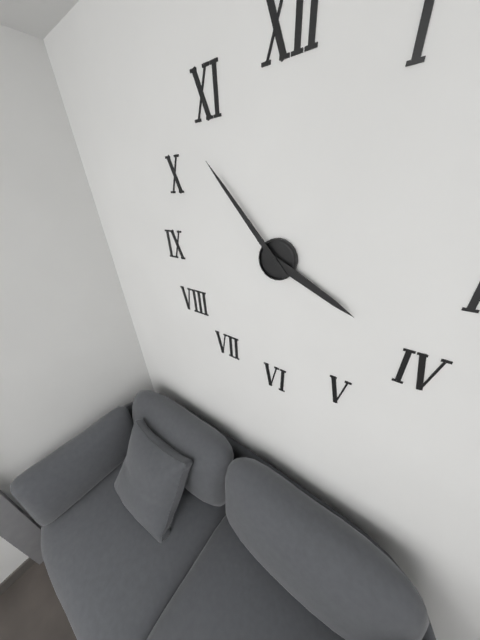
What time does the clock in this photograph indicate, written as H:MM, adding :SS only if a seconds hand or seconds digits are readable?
3:53
